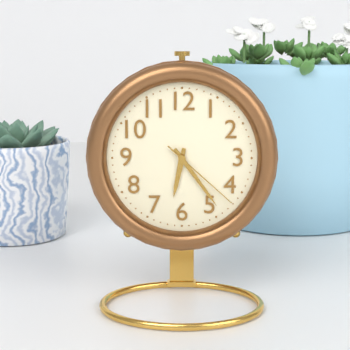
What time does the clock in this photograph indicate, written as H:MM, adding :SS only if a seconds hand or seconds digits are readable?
6:24:22
